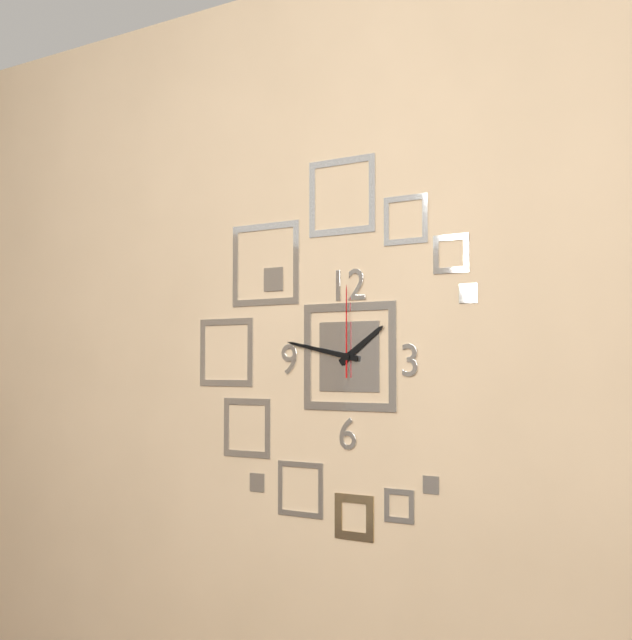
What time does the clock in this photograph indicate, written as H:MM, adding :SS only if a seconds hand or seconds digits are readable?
1:47:00
